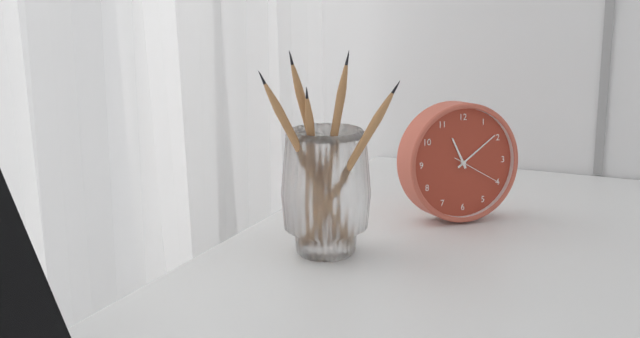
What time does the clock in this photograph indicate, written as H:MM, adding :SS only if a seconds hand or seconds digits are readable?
11:09
